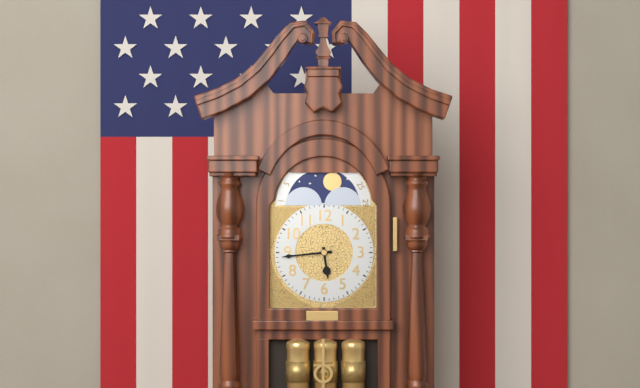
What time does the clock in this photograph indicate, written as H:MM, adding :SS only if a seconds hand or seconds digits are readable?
5:44
